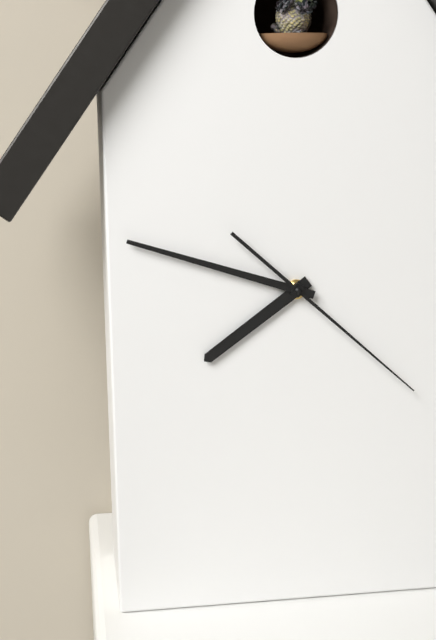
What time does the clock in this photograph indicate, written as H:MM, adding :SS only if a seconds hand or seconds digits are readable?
7:48:22
